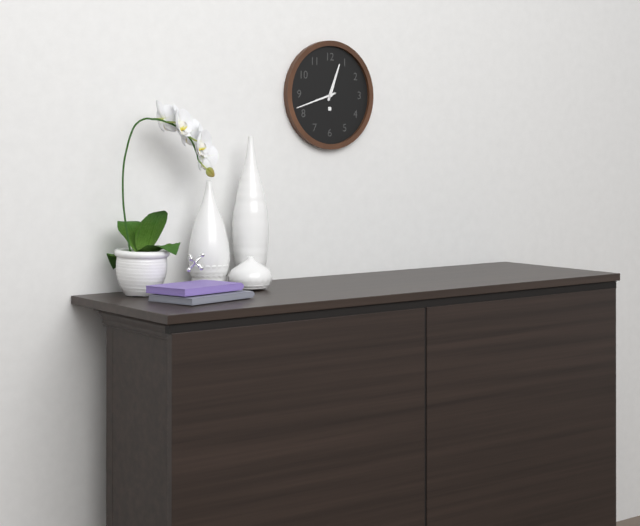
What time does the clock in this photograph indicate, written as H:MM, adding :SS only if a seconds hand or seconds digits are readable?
12:42
